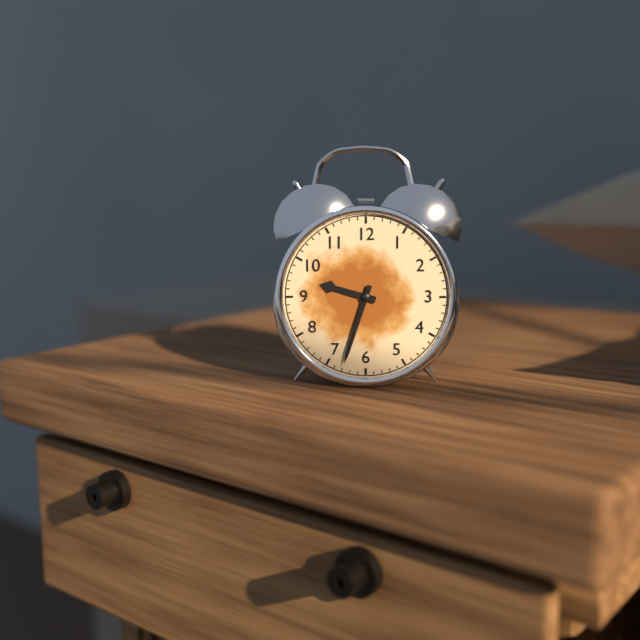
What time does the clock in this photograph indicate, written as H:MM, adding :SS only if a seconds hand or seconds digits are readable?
9:33
